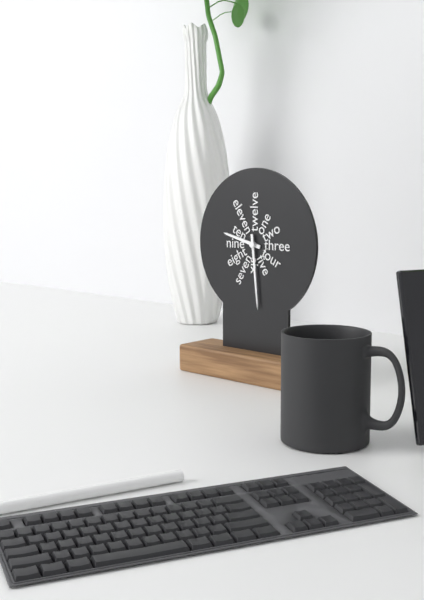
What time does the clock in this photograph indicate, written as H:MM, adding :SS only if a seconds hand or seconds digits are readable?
9:29
